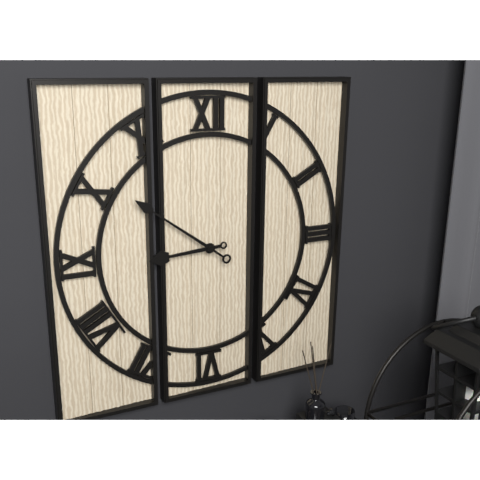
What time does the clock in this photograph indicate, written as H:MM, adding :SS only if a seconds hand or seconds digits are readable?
8:51
